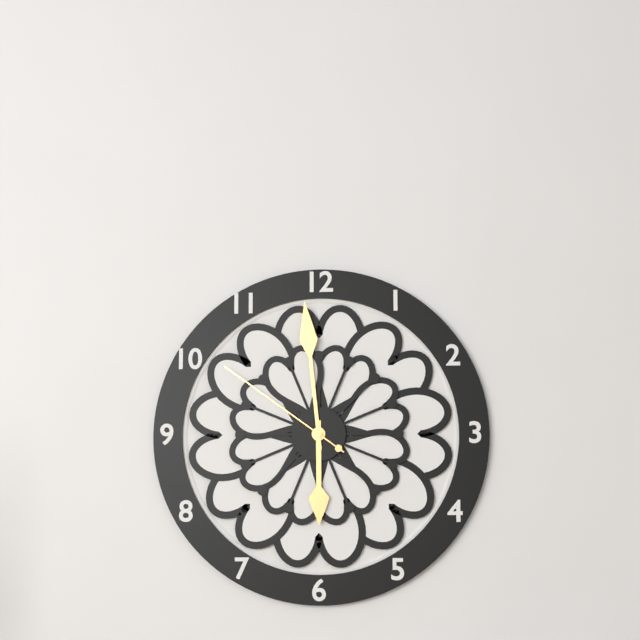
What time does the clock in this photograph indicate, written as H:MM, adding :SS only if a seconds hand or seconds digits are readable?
5:59:51
